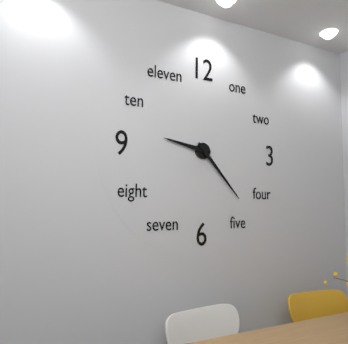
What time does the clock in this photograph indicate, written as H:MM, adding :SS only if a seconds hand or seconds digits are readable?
9:23
